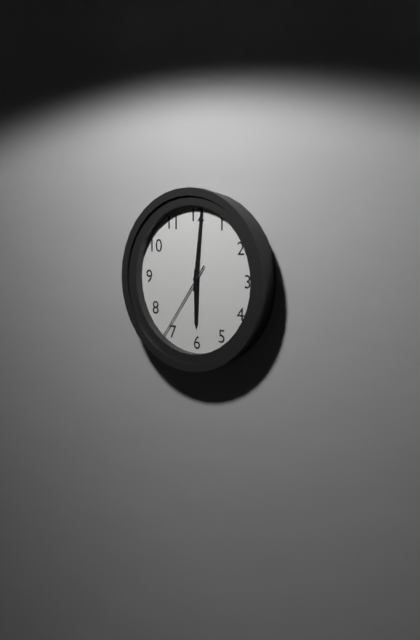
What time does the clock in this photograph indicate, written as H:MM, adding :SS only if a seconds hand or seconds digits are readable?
6:01:36
